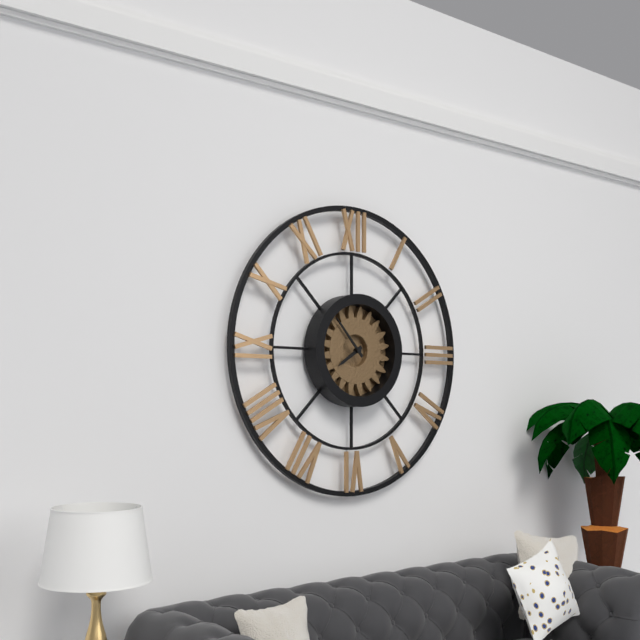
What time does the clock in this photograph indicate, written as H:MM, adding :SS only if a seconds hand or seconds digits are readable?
7:53
